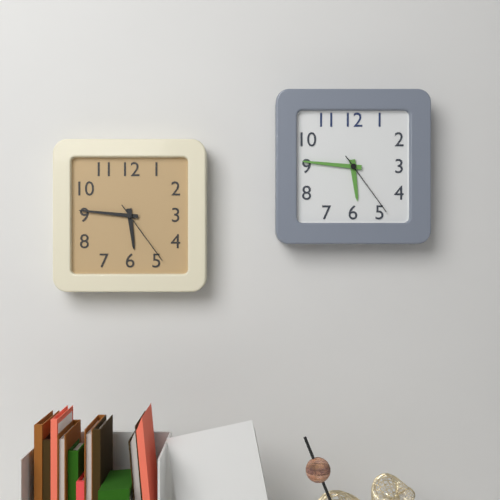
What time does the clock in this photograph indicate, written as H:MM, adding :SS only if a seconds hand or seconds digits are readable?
5:46:24
